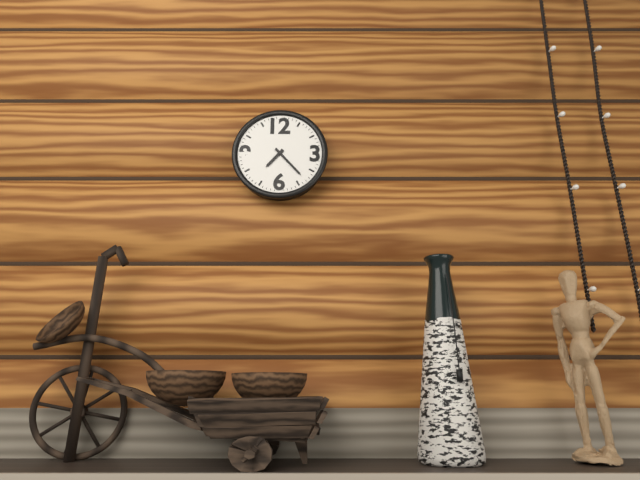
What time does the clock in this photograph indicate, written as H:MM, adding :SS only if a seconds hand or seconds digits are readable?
7:23
